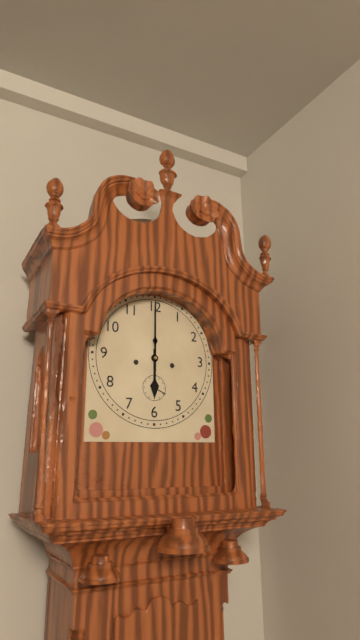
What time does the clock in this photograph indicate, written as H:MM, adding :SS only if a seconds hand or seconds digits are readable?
6:00
